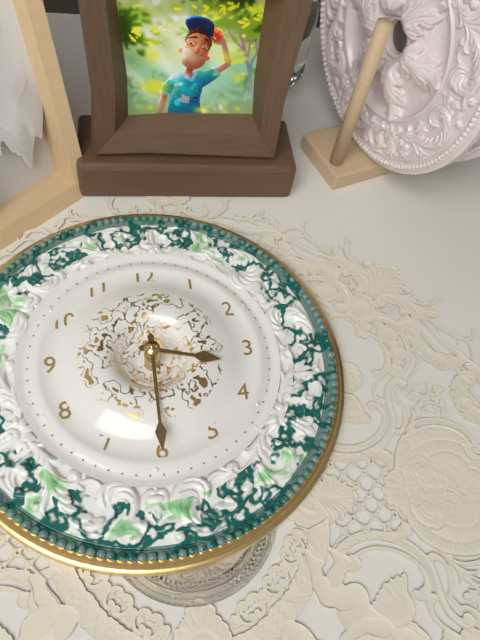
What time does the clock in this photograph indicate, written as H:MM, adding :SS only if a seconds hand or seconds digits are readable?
3:30
